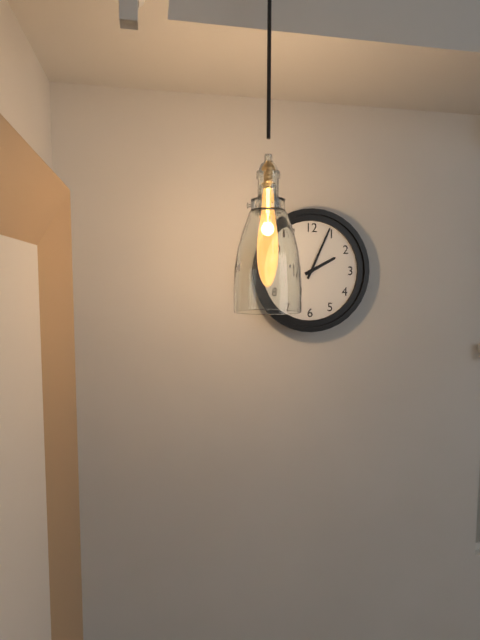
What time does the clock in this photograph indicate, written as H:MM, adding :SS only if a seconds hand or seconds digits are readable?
2:04
